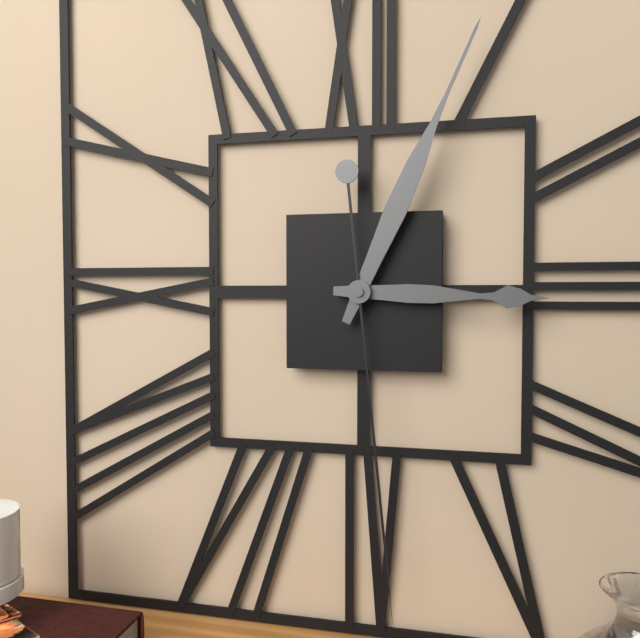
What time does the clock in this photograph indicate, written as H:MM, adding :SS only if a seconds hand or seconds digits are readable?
3:04:29
